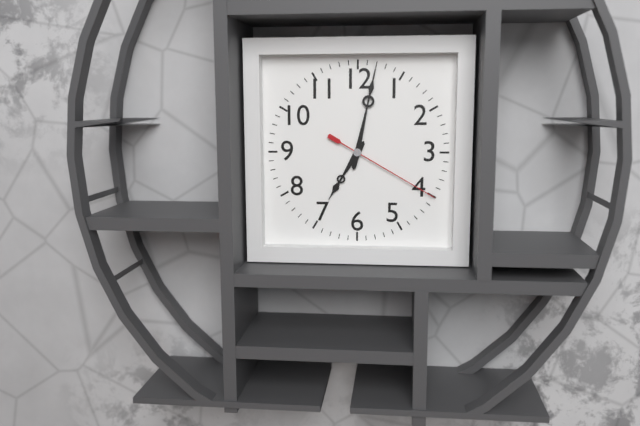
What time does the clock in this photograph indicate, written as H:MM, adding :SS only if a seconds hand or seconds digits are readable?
7:02:20
